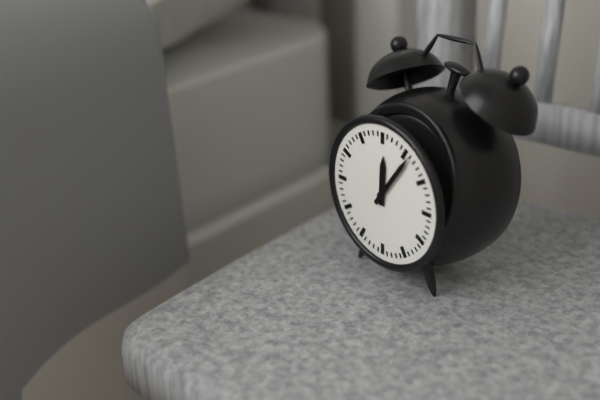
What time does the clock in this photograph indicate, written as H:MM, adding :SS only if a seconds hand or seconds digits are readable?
12:06
